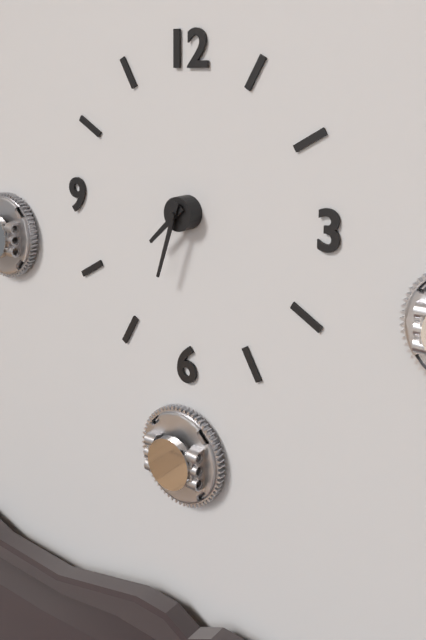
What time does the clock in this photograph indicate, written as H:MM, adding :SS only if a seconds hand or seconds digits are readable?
7:33
